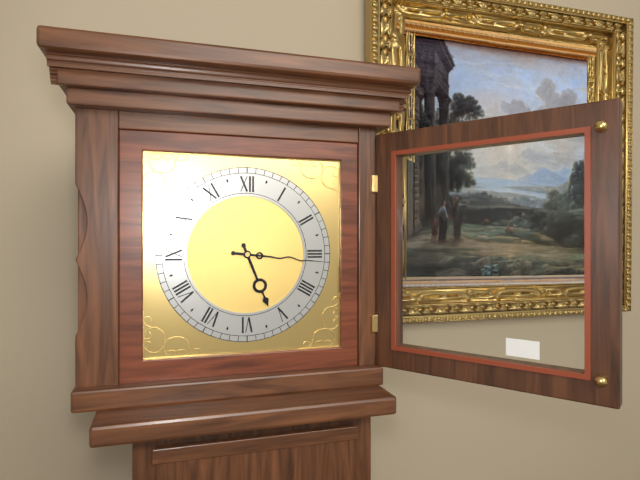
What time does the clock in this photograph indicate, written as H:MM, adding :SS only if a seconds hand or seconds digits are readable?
5:16
